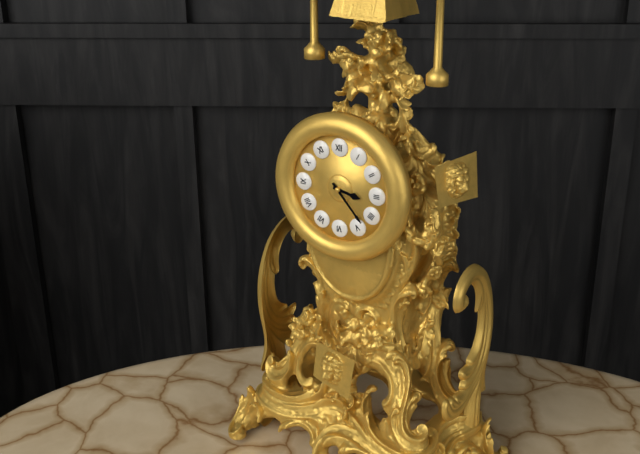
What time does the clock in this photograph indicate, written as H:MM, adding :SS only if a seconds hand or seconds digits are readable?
3:23
